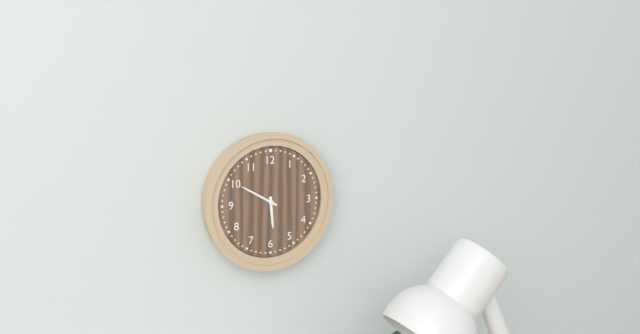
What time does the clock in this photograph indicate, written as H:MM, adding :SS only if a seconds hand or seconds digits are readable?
5:50
